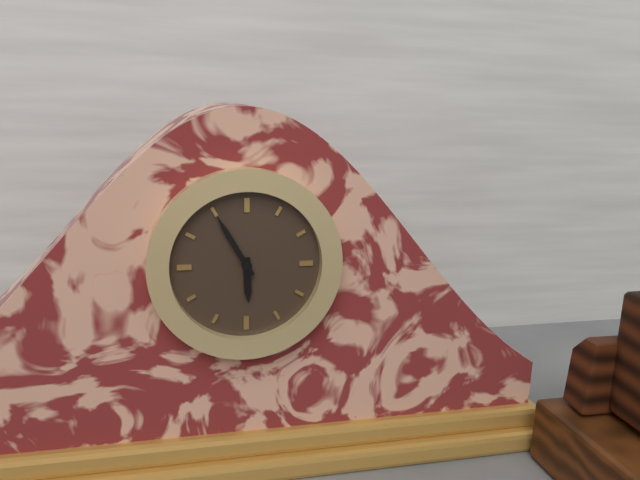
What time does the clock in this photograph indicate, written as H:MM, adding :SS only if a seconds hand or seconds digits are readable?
5:55
